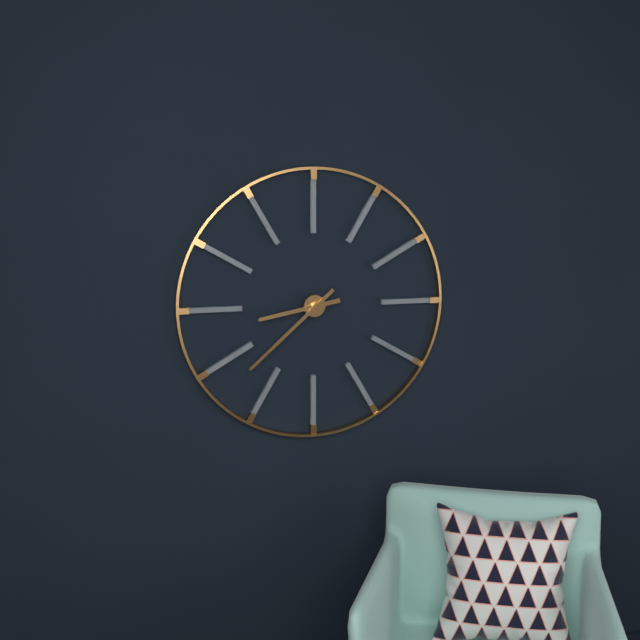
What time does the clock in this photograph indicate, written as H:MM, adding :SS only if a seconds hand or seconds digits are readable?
8:38
